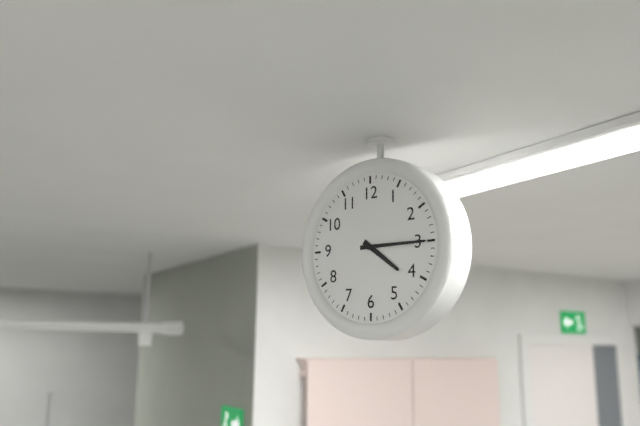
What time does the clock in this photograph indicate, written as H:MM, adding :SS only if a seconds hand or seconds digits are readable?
4:15
